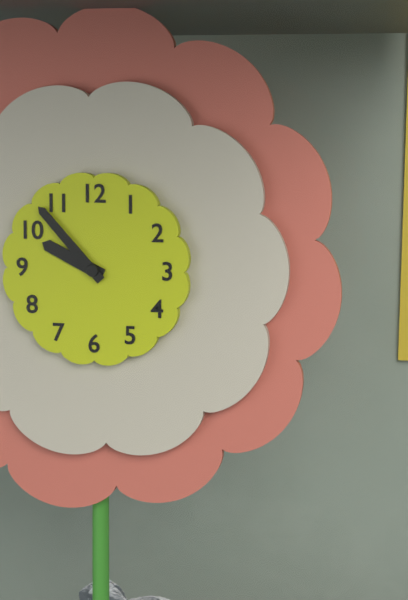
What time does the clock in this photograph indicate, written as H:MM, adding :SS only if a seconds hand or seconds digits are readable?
9:53
